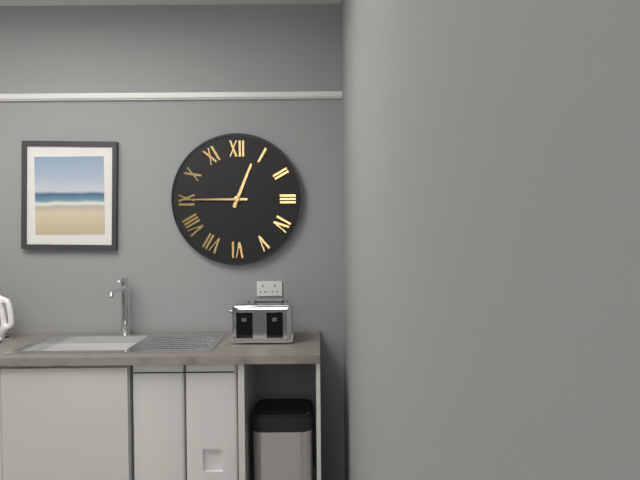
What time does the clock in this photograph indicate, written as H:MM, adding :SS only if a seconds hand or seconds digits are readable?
12:45
